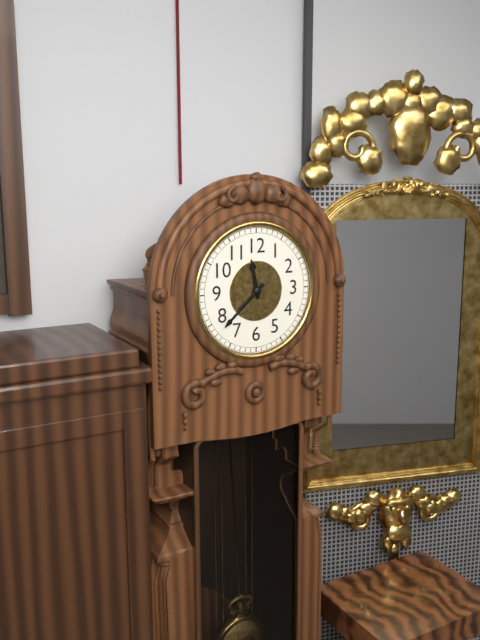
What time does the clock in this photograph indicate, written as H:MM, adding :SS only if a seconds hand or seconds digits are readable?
11:38
